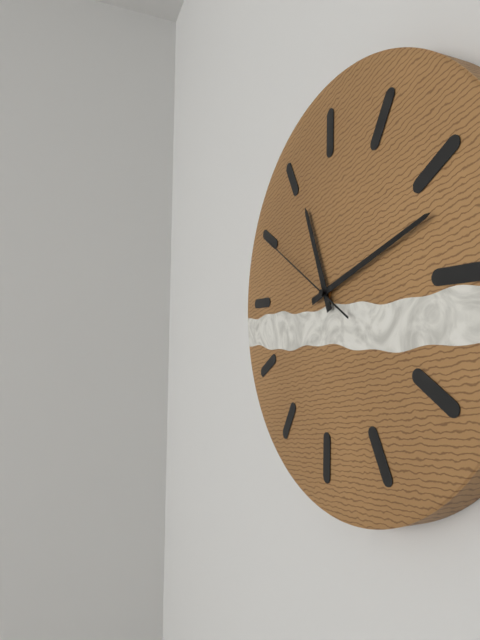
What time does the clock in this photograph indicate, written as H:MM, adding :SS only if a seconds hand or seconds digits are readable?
11:12:50
